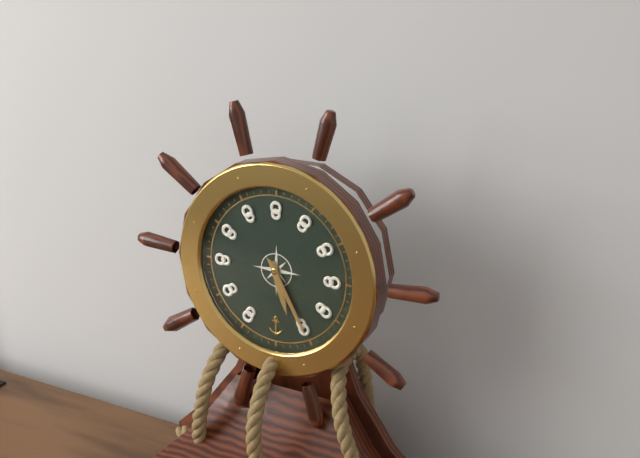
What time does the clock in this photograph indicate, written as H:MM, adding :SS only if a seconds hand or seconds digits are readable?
5:25
